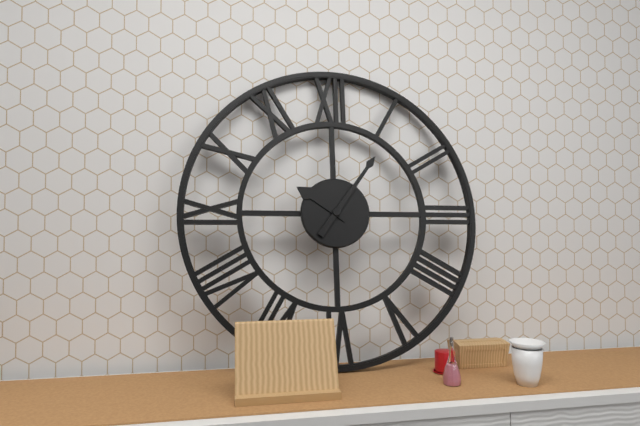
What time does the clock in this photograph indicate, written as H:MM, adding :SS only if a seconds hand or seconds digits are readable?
10:06
